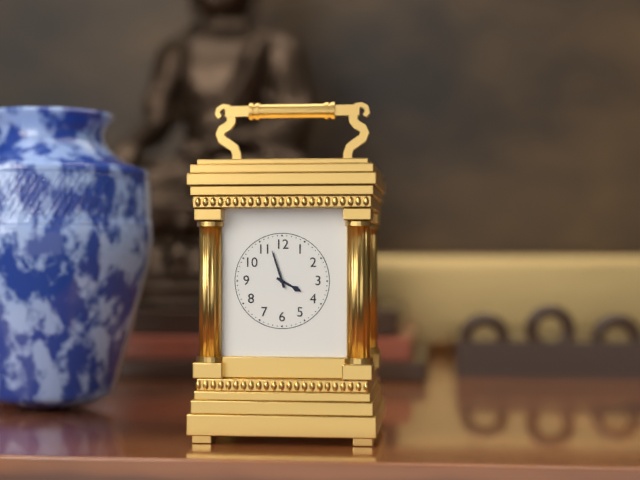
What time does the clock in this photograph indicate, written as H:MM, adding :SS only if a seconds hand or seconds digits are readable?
3:57
